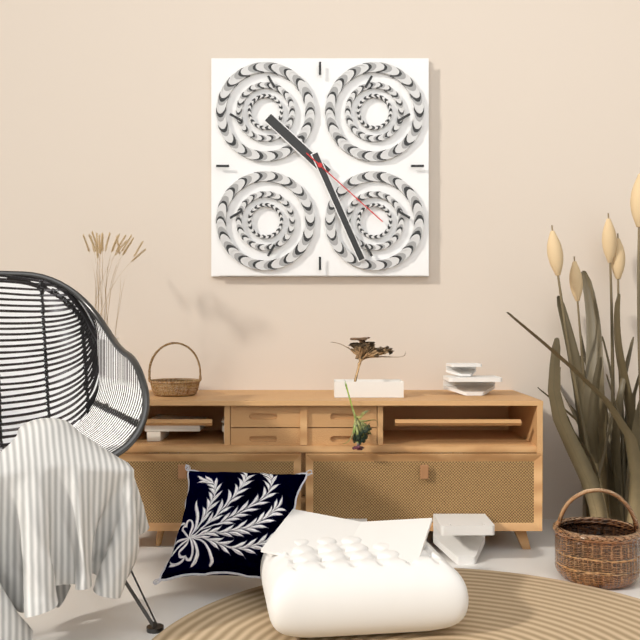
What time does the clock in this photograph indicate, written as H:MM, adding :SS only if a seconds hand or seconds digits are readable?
10:26:22
